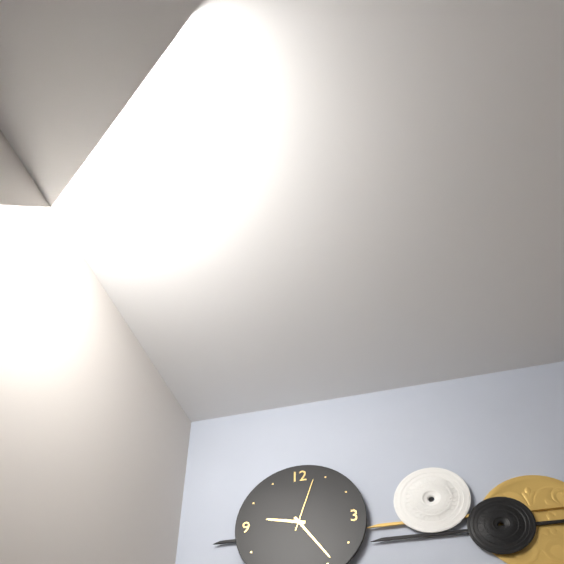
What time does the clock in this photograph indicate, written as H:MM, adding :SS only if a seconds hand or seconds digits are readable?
9:24:03
